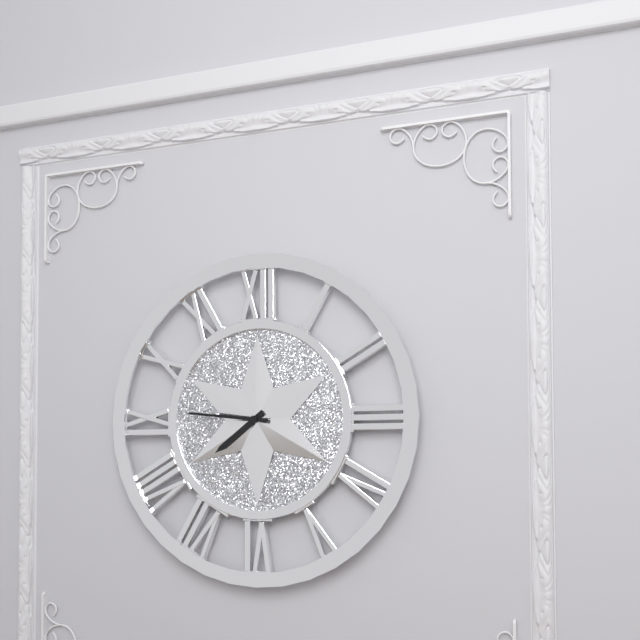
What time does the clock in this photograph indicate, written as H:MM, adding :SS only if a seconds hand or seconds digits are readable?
7:46
